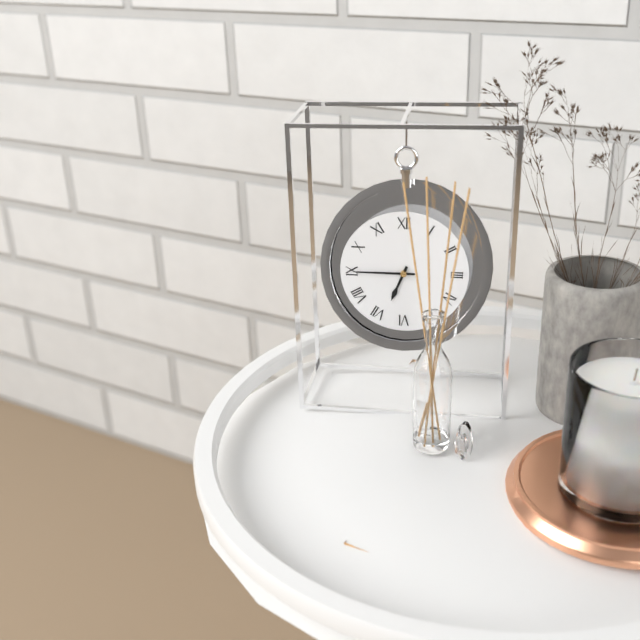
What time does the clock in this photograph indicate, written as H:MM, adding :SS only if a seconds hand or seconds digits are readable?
6:45
